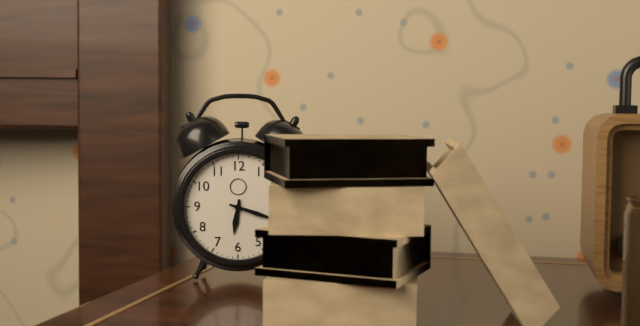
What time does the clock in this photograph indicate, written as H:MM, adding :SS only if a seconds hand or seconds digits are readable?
6:18
